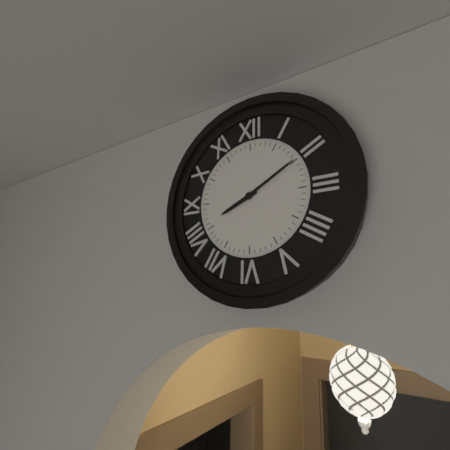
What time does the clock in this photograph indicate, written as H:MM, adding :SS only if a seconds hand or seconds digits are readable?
8:10
